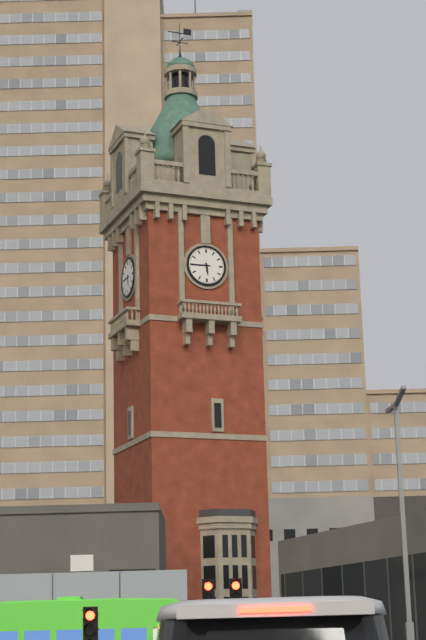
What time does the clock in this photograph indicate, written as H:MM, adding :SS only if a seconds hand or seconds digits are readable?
5:45
